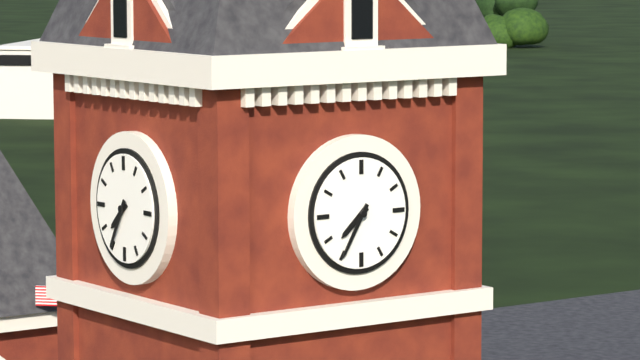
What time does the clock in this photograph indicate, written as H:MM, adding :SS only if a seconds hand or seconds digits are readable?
7:35
